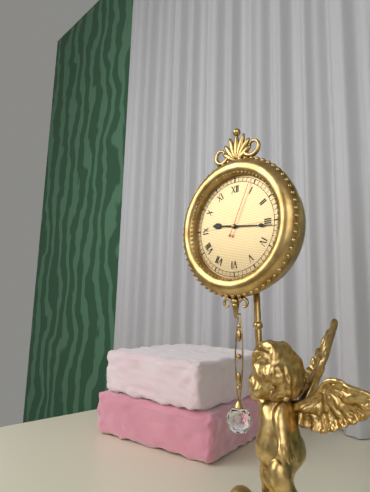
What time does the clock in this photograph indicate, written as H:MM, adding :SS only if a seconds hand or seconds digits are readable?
9:16:04
